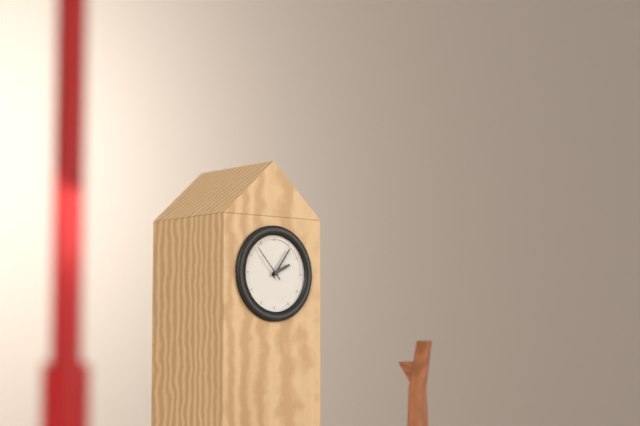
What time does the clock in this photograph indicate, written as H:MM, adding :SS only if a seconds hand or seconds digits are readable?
2:06
